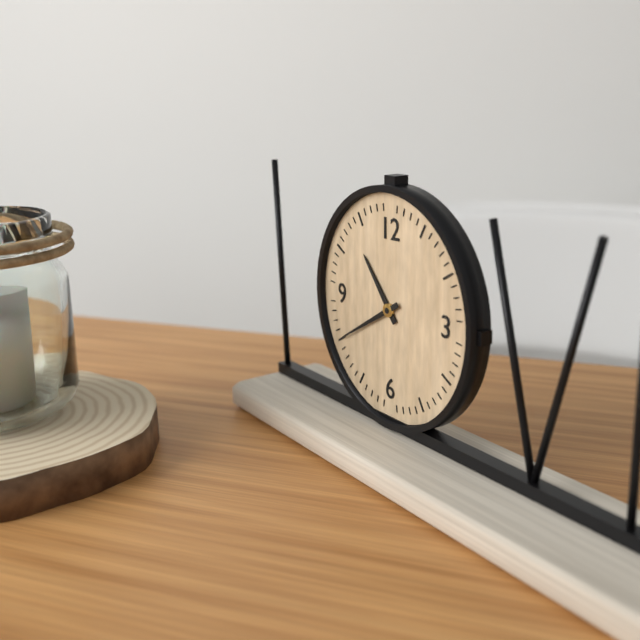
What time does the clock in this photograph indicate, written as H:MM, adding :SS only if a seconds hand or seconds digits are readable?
10:40
